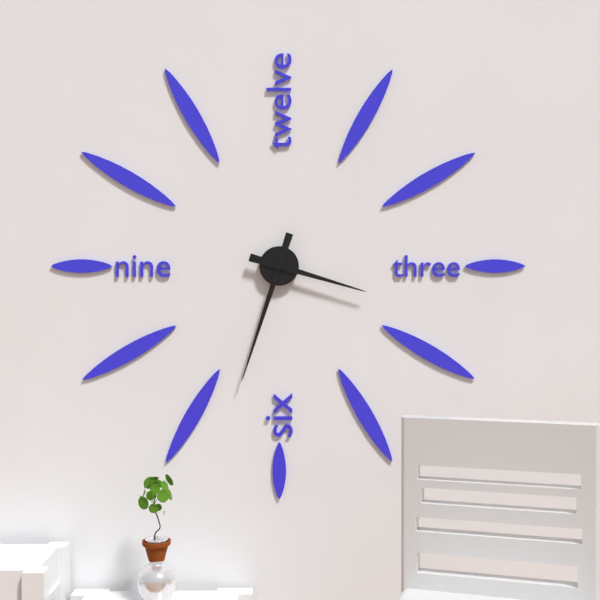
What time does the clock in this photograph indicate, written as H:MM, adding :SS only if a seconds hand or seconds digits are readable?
3:33
